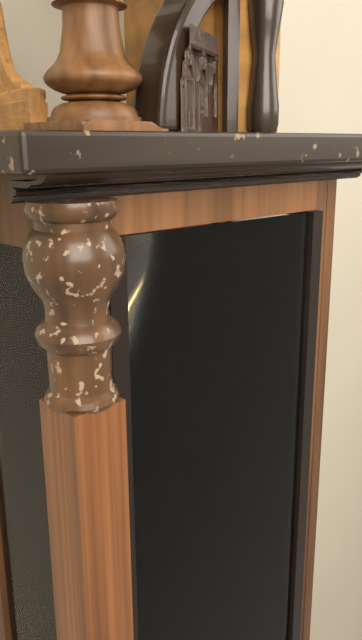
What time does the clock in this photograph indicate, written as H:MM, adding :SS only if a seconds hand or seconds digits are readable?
7:38
